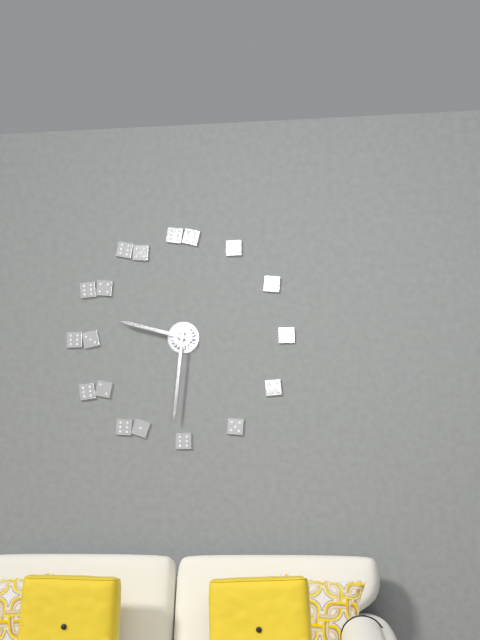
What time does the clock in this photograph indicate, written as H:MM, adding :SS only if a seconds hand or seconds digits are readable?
9:31
